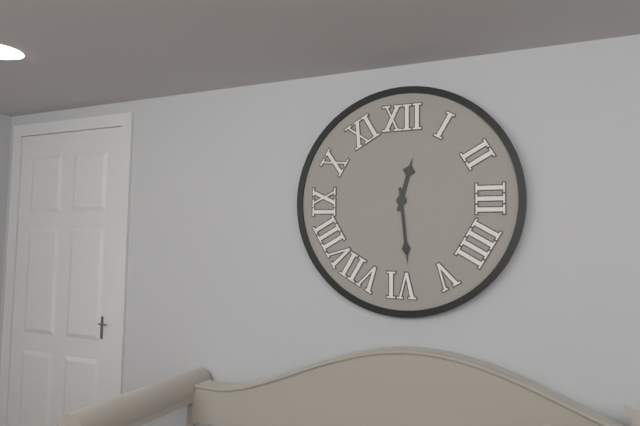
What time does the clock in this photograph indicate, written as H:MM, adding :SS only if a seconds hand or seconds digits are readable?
12:29
